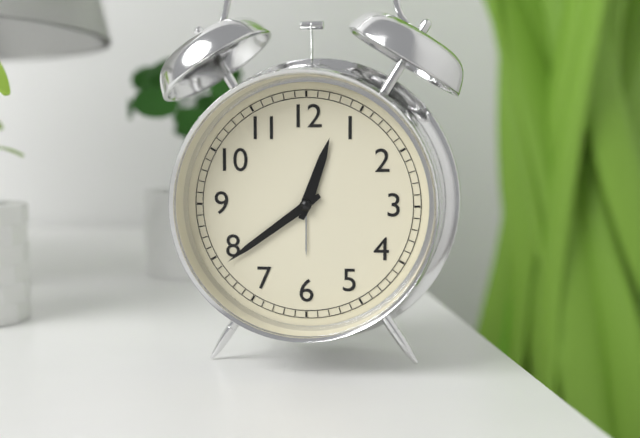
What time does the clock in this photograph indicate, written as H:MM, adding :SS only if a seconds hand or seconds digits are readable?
12:39
